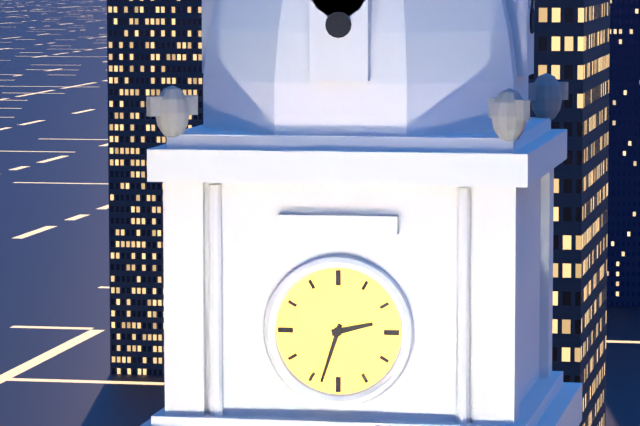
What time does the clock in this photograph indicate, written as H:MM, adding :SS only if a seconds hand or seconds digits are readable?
2:33
